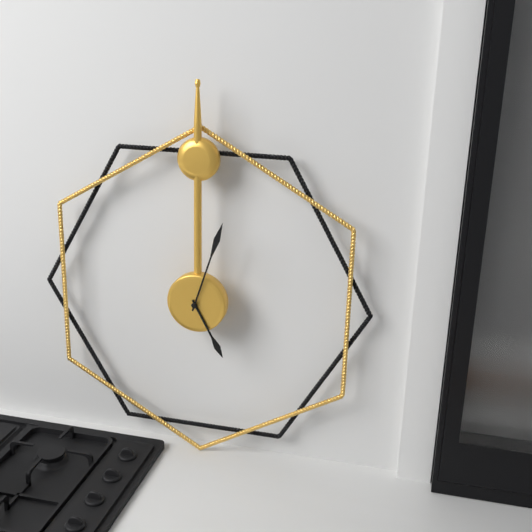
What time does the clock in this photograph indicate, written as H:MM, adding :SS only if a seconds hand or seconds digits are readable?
5:03
